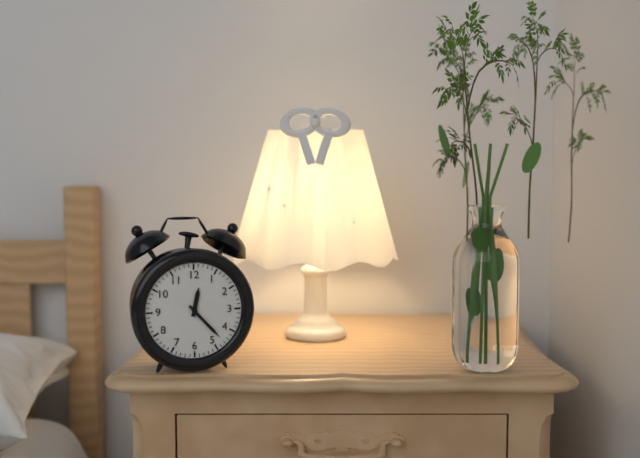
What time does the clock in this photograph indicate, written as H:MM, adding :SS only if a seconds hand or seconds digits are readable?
12:23
